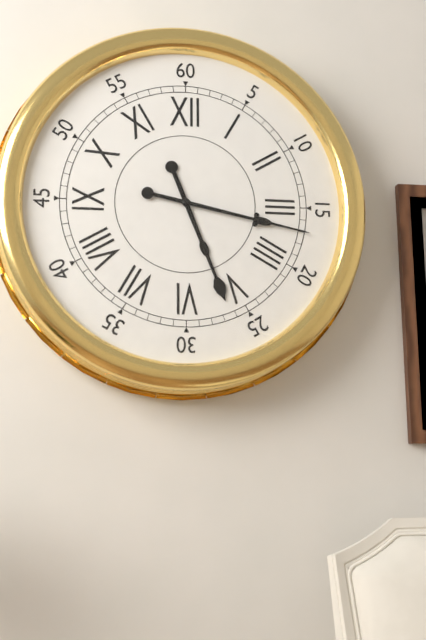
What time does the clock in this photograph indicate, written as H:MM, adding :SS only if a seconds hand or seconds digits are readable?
5:17
